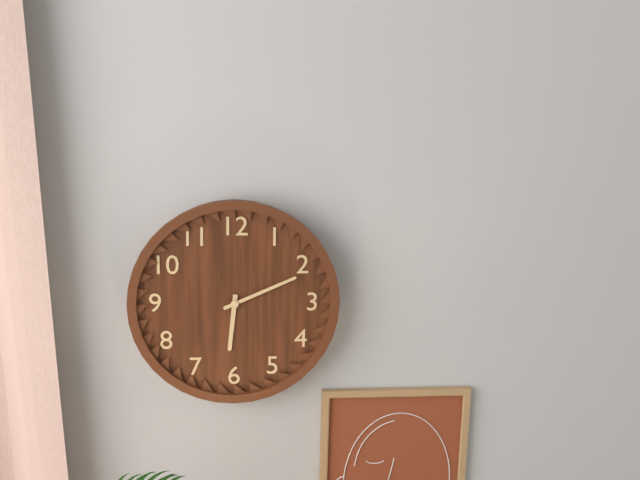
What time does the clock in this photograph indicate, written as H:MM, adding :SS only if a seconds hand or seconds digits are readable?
6:11
